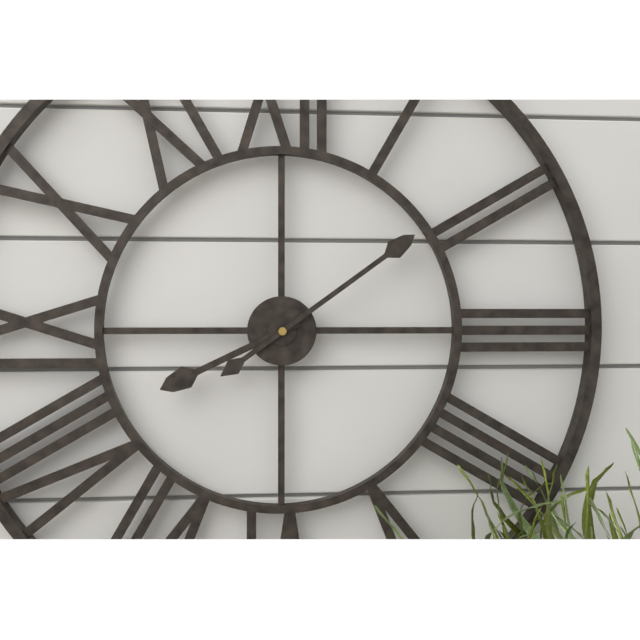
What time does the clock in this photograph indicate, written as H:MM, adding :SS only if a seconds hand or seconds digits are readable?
8:09
